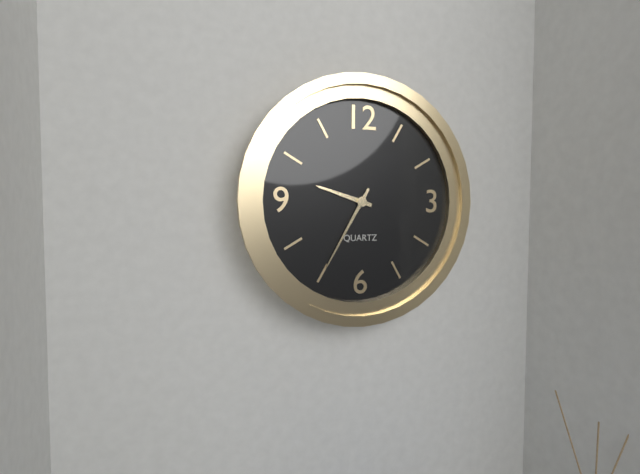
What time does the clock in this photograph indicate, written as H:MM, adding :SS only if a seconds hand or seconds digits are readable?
9:35
